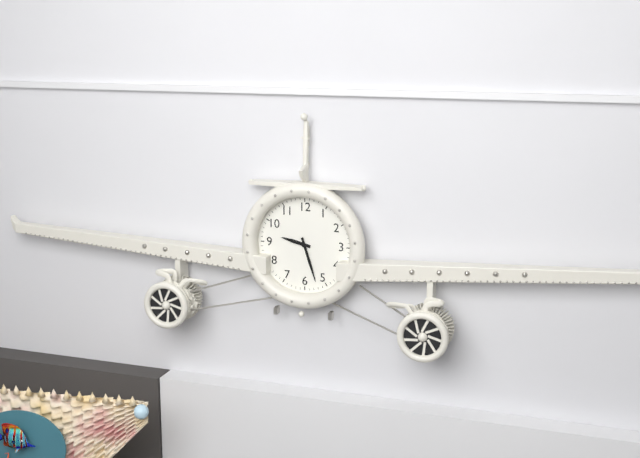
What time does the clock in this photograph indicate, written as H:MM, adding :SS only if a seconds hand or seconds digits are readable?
9:27
